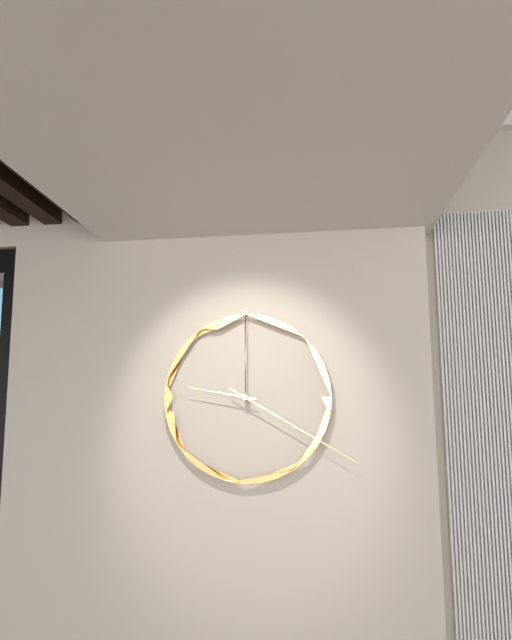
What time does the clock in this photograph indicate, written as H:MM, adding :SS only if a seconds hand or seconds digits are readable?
9:20
